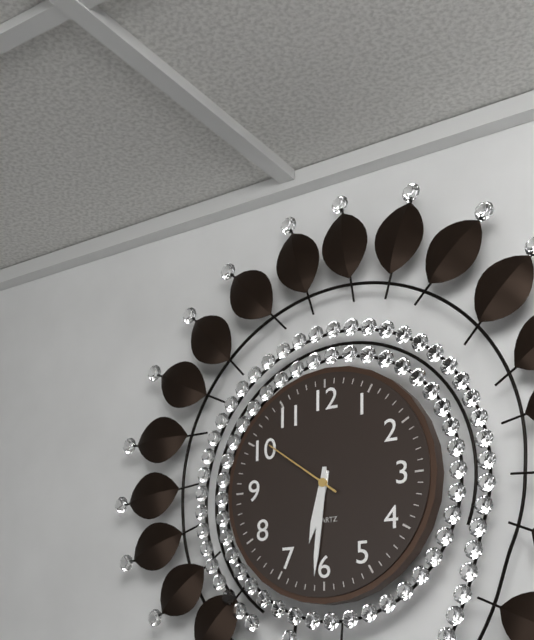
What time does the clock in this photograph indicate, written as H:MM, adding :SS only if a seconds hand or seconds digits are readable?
6:31:51
